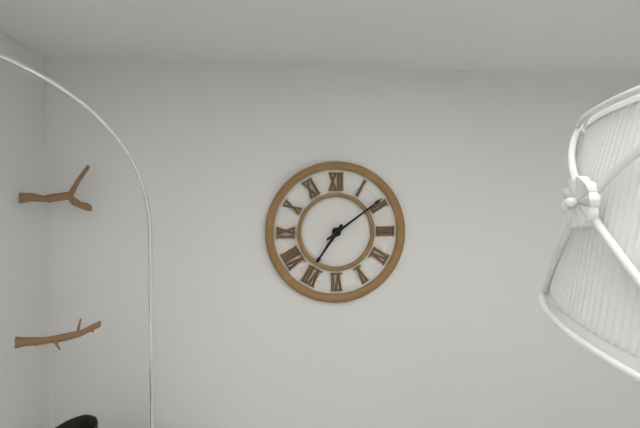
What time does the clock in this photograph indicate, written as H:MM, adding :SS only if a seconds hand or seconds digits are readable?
7:09
